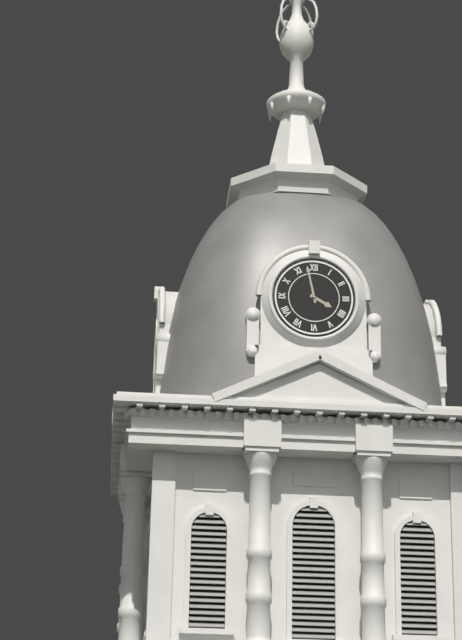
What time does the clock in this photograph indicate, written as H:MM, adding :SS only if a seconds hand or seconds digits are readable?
3:58
